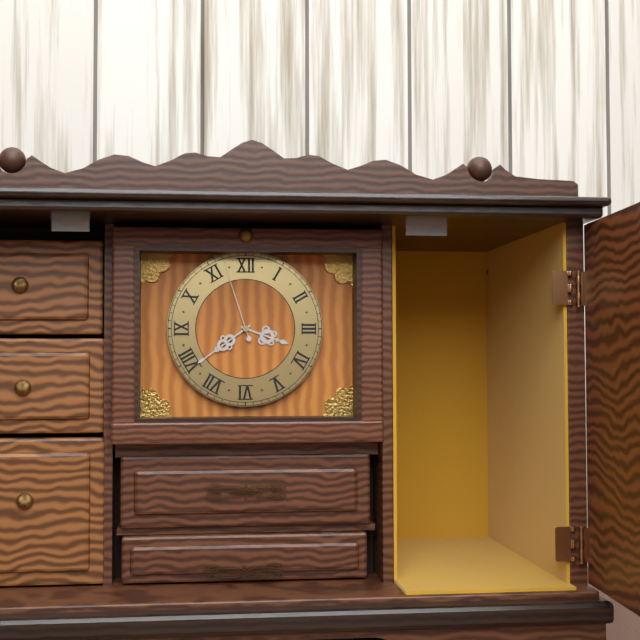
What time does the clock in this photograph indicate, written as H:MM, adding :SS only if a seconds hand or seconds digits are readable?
3:39:57
